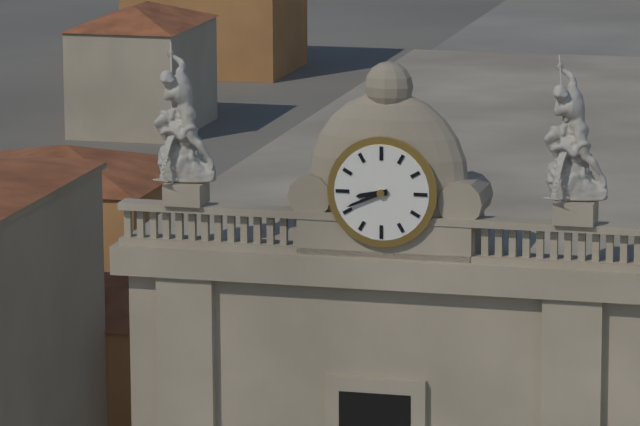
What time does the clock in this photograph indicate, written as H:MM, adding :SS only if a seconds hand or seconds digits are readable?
8:41
